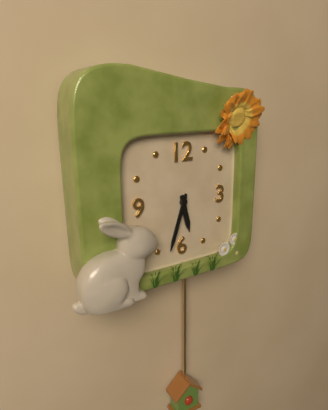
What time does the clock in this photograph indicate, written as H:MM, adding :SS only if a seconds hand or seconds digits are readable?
5:33
